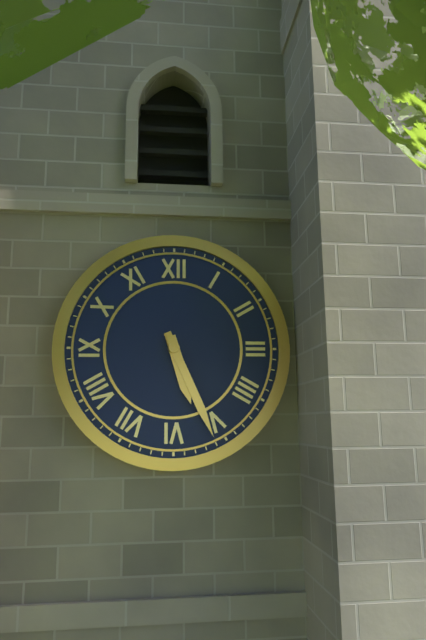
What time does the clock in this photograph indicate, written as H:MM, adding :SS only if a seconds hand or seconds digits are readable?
5:26
